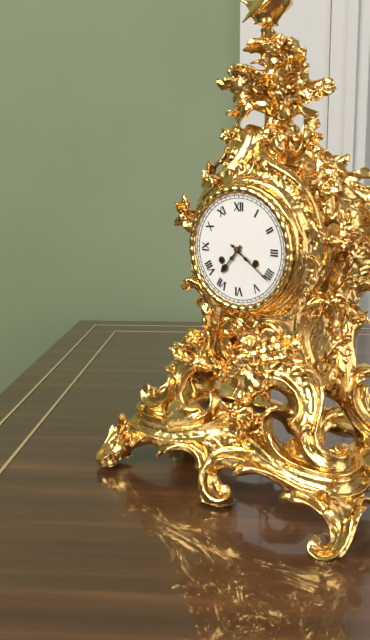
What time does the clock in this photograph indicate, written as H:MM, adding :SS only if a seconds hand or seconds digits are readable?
7:21
